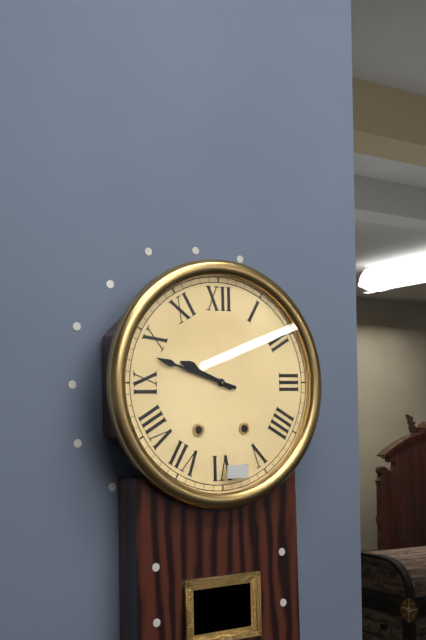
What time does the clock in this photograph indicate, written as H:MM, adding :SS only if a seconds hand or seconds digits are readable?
9:48
